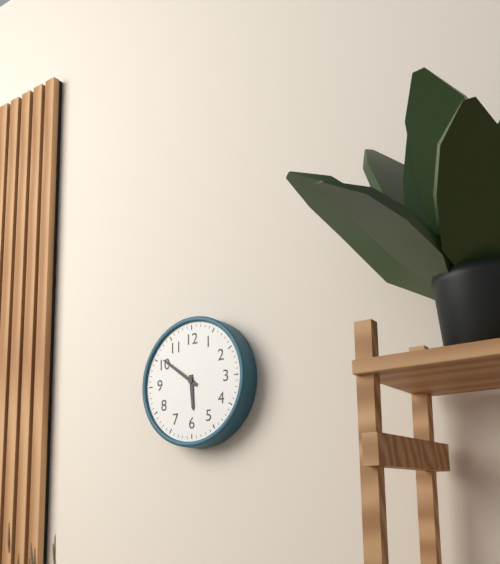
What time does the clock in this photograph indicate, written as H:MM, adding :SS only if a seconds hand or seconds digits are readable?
5:51
